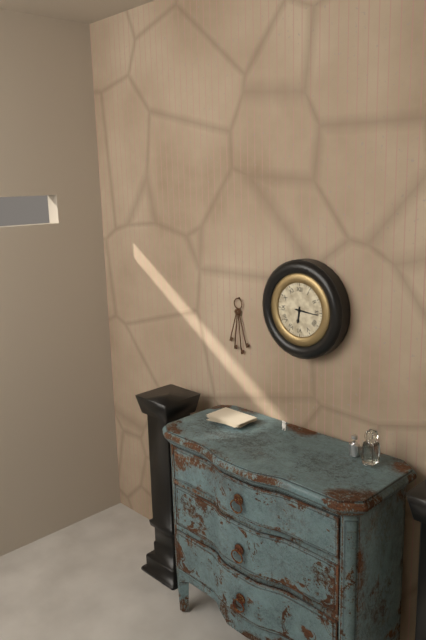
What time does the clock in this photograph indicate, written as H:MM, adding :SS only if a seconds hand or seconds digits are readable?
6:16
